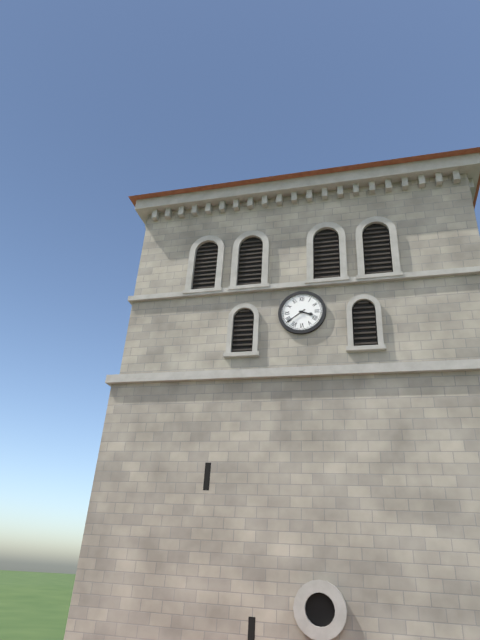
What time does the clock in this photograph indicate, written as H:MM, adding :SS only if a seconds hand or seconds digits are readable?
3:39
